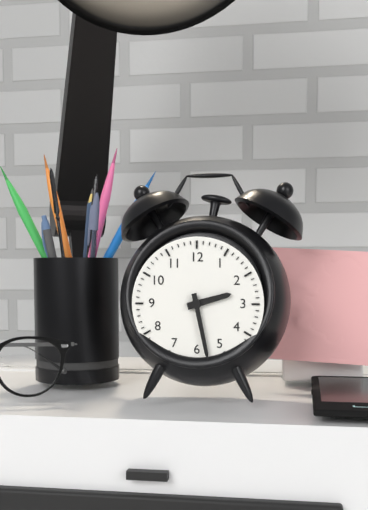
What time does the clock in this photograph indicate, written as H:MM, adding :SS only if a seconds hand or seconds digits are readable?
2:28
